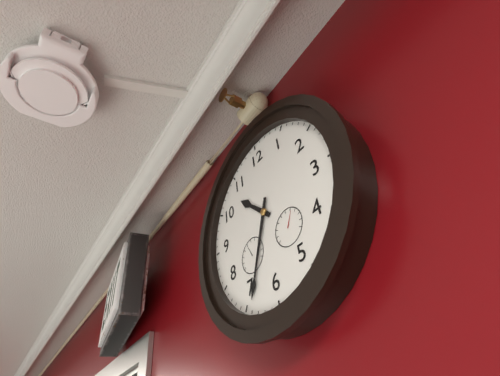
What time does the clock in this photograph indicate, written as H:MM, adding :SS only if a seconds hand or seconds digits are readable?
10:34
